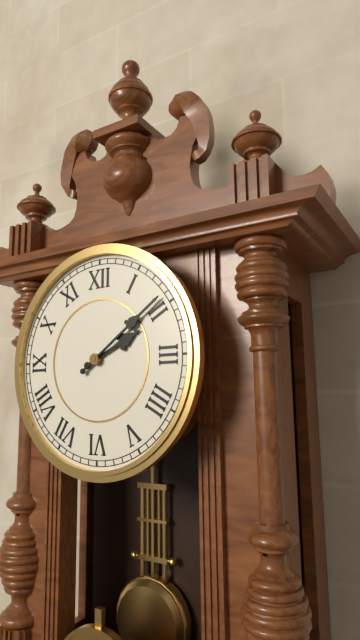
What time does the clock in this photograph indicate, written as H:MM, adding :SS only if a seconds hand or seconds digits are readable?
2:09
